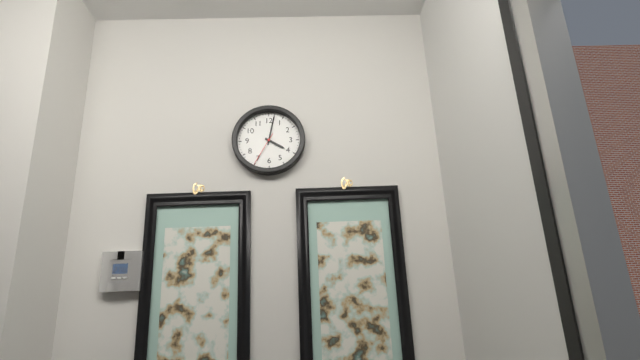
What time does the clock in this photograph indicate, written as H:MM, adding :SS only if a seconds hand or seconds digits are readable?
4:02
